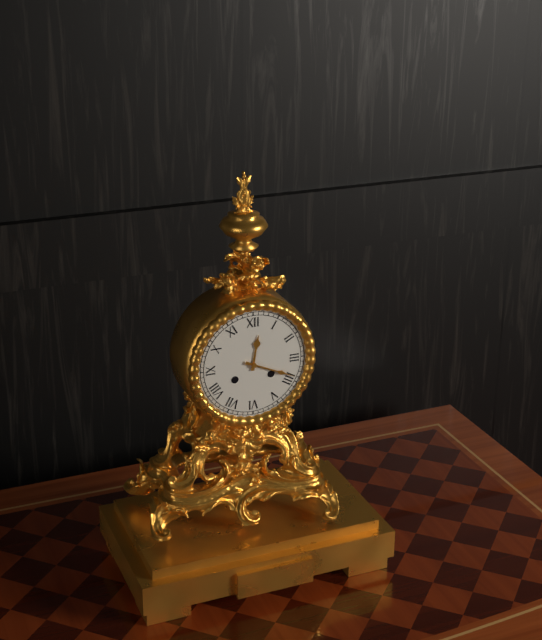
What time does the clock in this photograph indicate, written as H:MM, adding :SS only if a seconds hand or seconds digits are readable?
12:19
